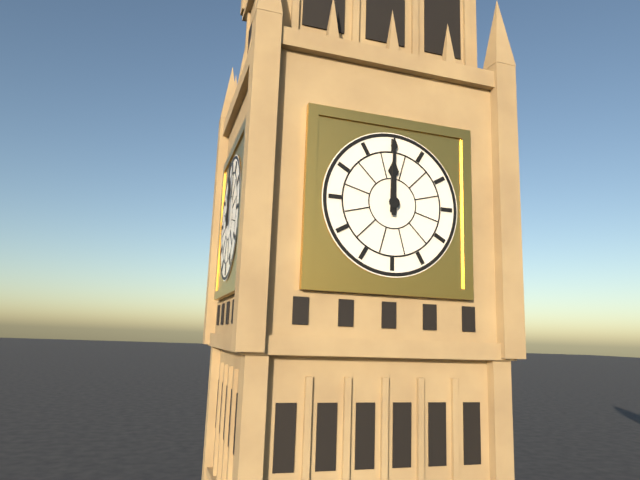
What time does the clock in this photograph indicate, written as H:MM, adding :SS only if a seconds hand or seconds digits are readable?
12:00
